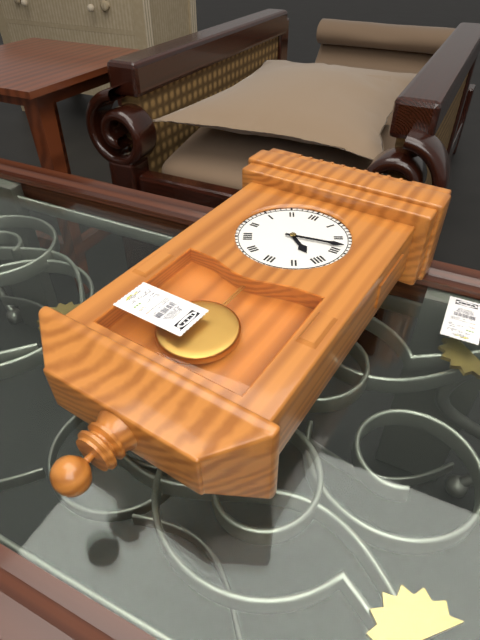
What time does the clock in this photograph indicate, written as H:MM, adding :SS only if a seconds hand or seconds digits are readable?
4:13
